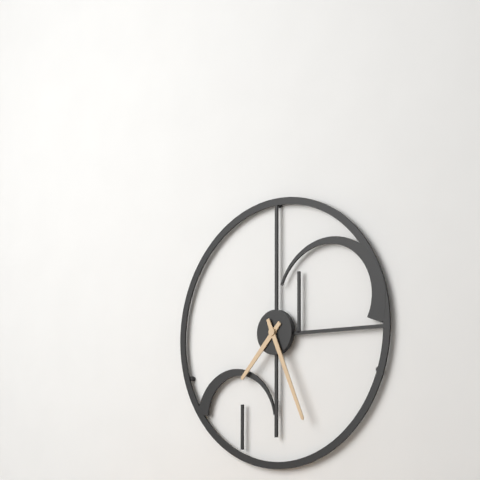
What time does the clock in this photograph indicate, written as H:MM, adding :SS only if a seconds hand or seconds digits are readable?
7:26
